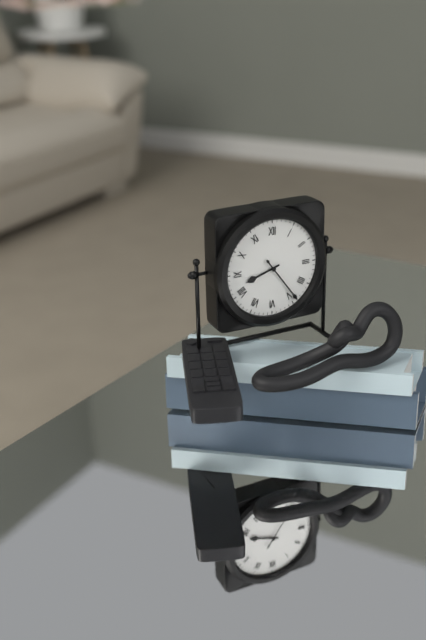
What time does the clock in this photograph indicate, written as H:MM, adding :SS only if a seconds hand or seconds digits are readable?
8:24
